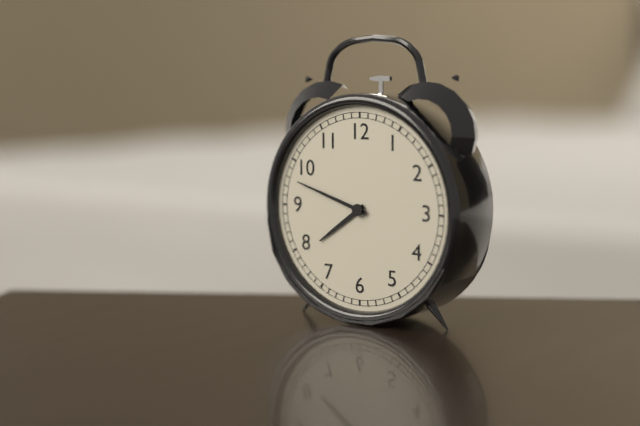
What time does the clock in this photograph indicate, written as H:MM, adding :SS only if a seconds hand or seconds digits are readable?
7:48
